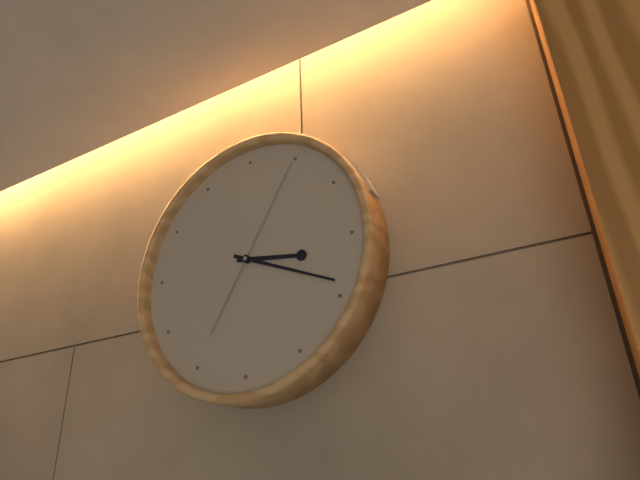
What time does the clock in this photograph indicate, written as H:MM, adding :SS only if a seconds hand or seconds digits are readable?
3:19:05
